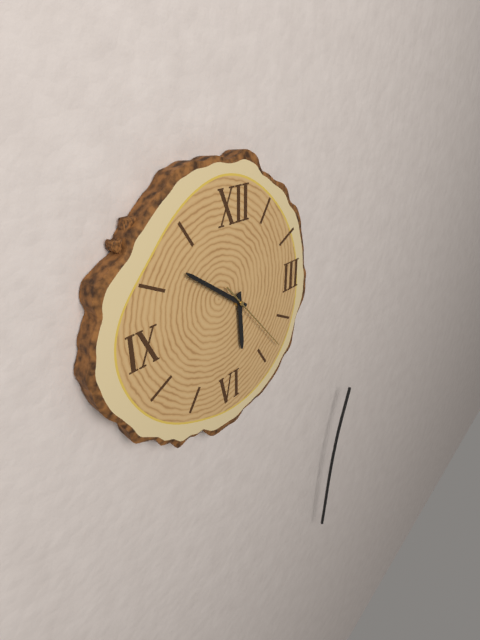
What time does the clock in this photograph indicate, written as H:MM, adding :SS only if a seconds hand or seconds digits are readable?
5:51:23
